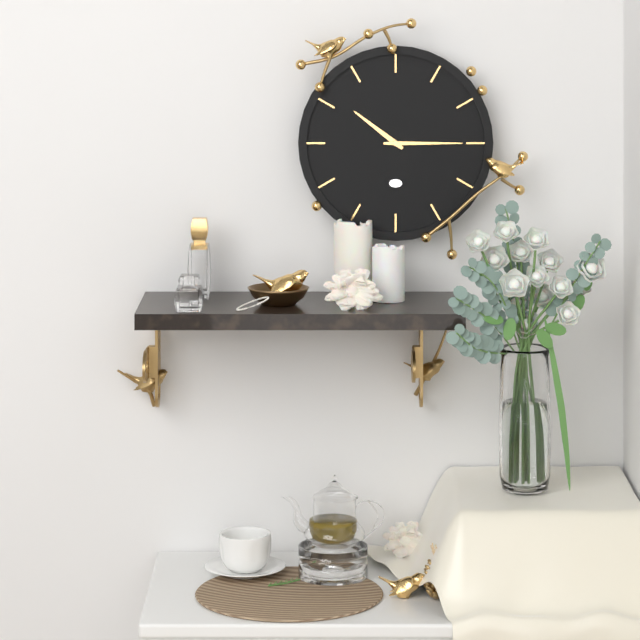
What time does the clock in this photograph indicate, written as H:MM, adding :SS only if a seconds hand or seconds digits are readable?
10:15
